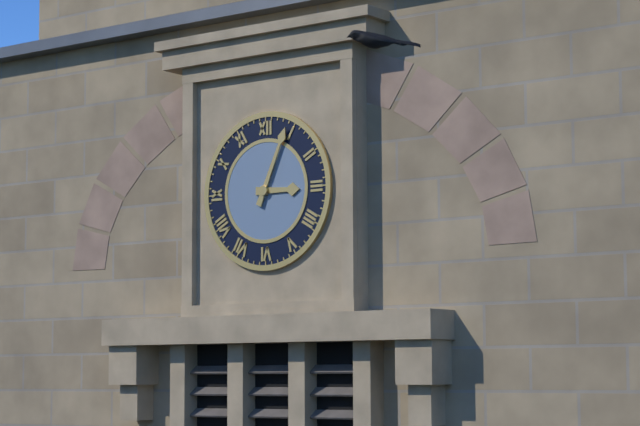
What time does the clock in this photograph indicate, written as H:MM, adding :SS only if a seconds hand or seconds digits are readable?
3:04
